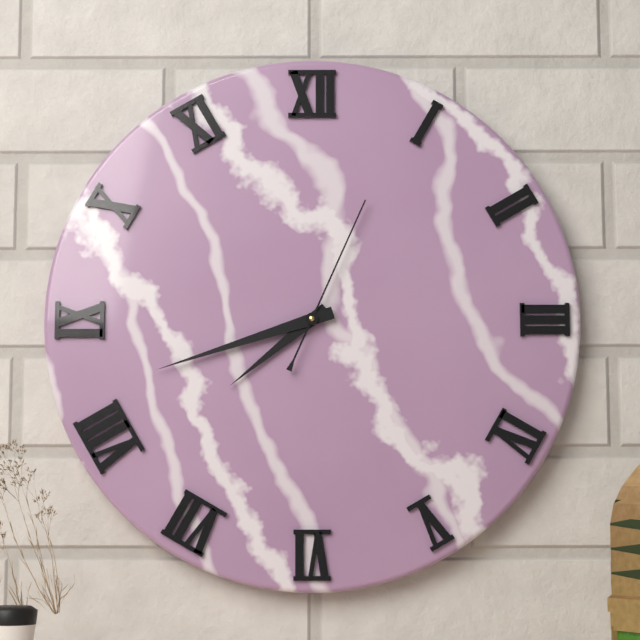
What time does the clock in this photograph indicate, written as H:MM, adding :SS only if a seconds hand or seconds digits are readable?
7:42:04
